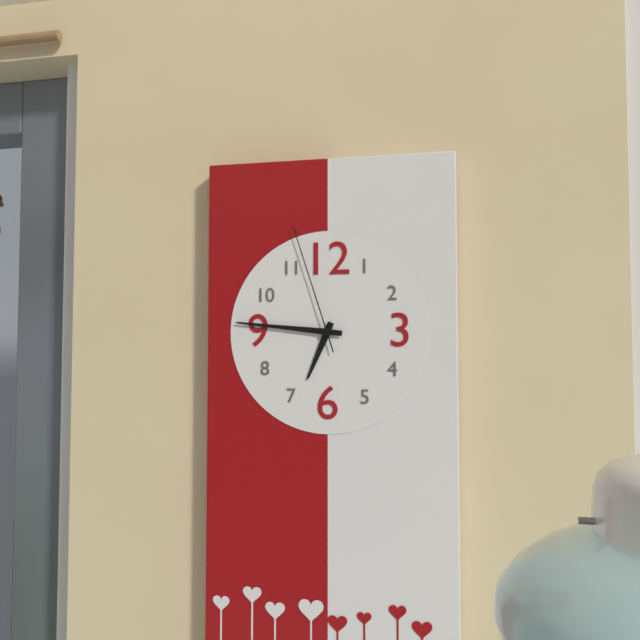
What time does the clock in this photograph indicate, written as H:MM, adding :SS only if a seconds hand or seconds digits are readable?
6:46:57
